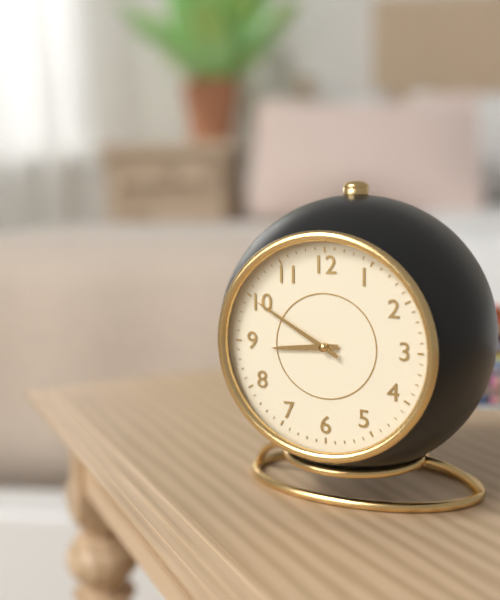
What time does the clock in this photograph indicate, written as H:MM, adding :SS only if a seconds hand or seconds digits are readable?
8:50
